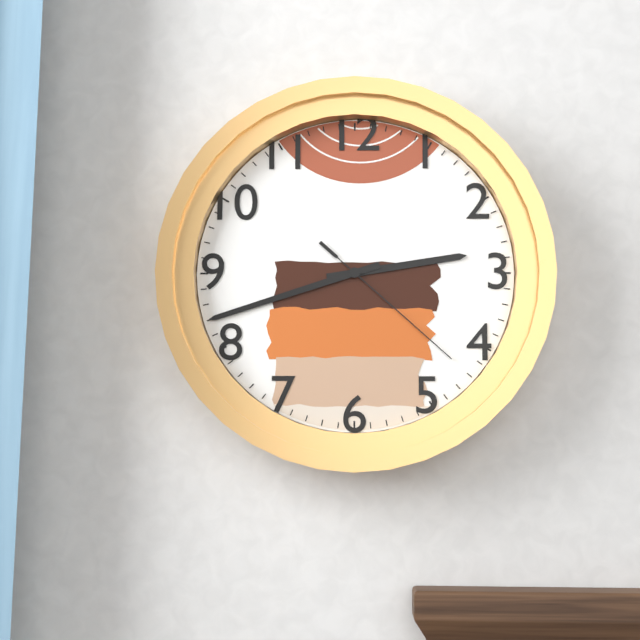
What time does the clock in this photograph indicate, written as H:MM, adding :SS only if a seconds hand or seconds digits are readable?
2:42:22
